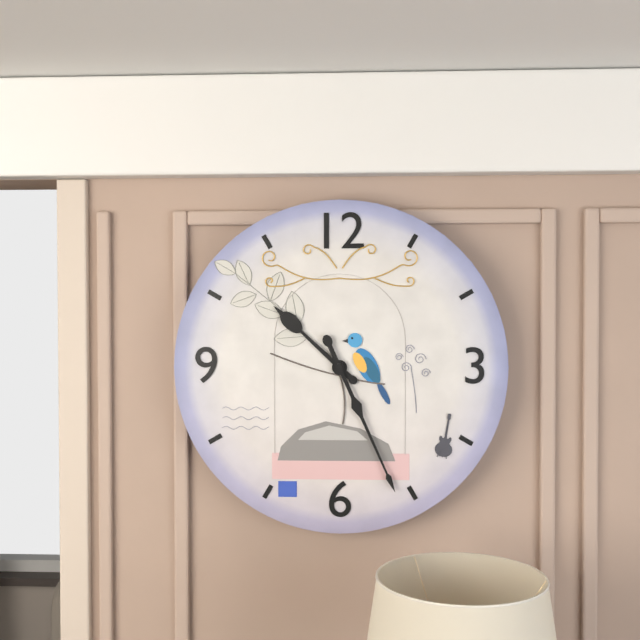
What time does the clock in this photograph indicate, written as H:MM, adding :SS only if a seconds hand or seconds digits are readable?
10:26
